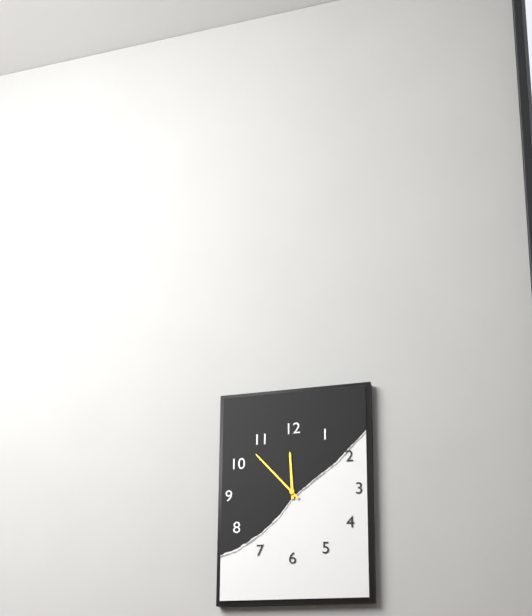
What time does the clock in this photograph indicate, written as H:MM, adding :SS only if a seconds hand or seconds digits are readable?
11:53
